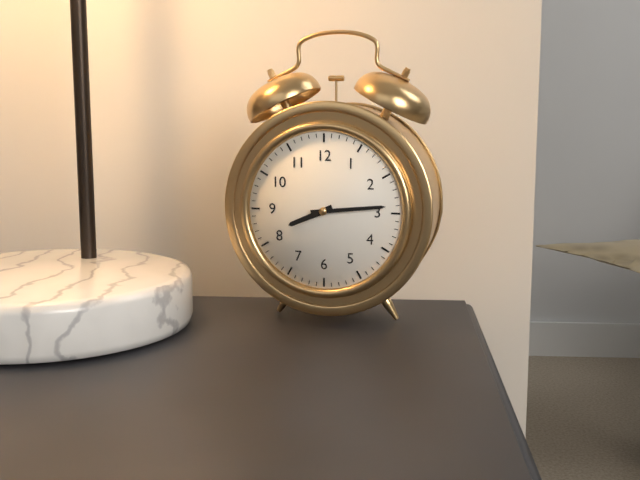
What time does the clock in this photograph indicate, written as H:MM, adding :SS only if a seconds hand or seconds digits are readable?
8:14
